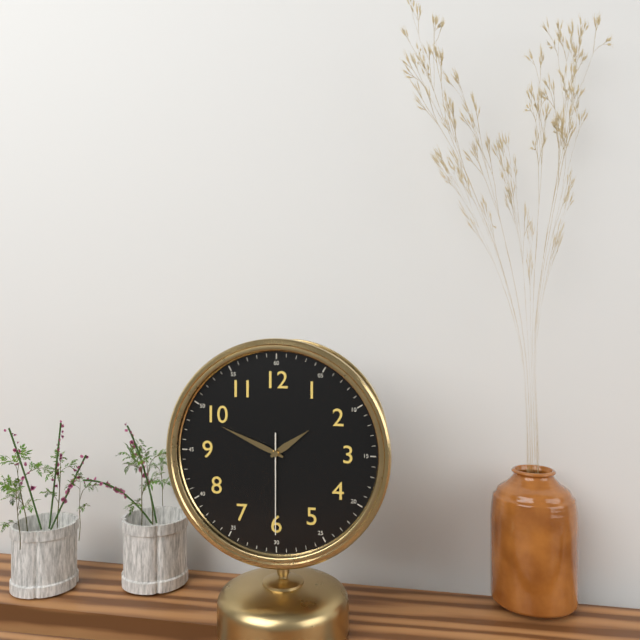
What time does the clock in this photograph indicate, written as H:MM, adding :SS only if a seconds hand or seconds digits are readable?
1:49:30
